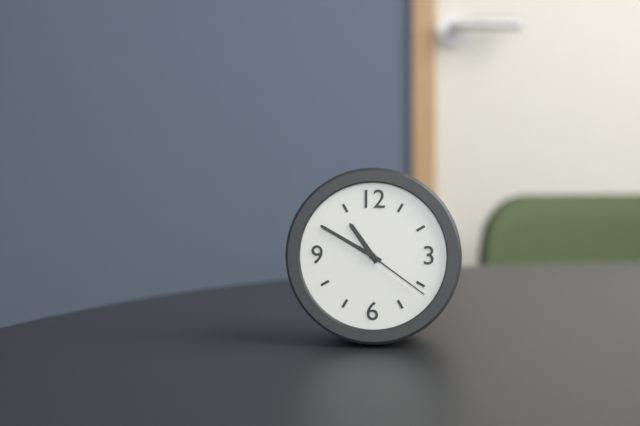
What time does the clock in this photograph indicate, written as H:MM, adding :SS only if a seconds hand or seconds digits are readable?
10:50:21
